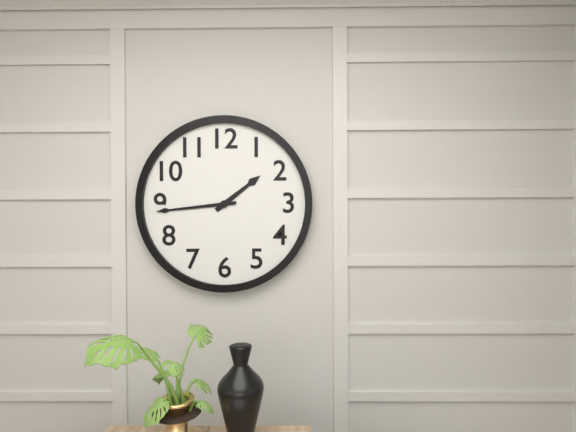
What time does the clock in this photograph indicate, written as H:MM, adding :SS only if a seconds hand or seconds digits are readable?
1:44
